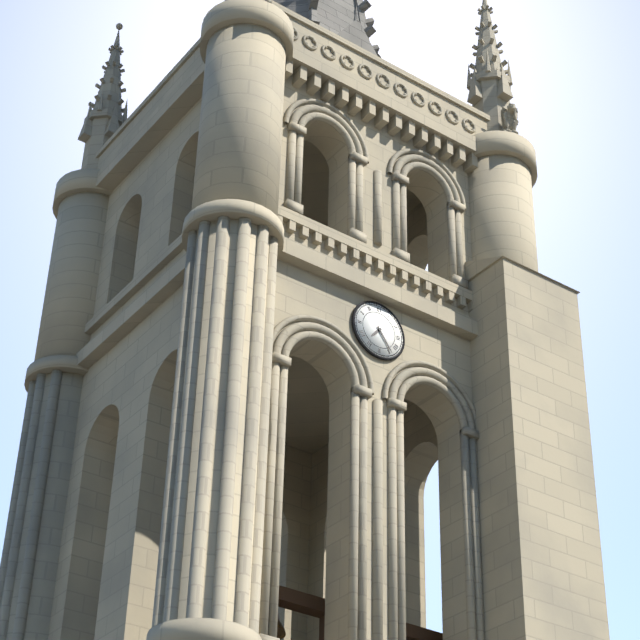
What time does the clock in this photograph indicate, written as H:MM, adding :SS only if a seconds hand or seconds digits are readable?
7:24
